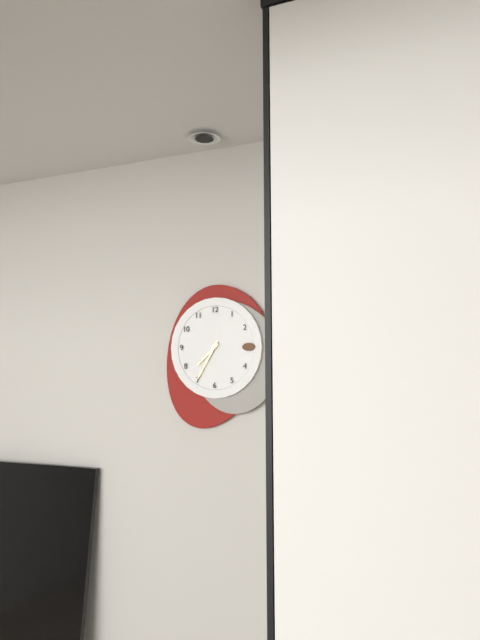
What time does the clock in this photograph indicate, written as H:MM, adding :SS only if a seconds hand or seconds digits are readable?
7:35
